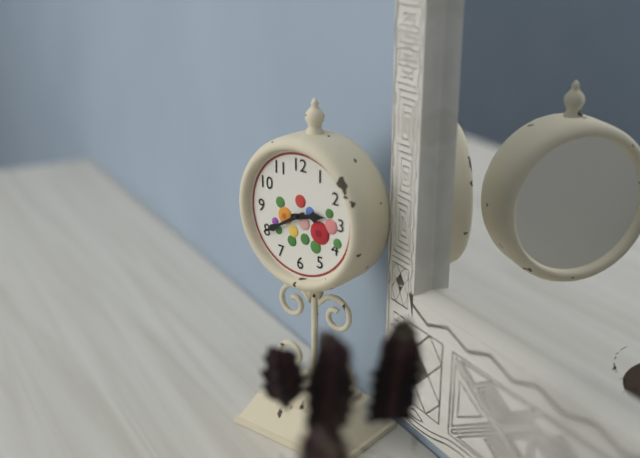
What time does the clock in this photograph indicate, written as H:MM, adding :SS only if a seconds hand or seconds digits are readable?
2:40
